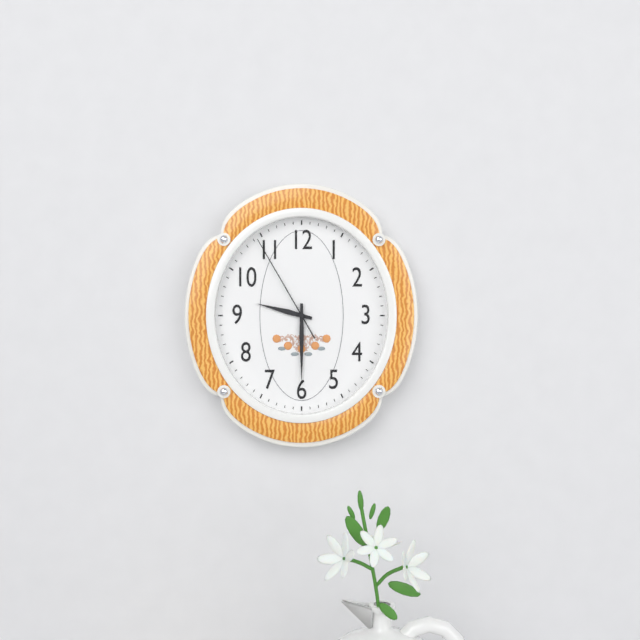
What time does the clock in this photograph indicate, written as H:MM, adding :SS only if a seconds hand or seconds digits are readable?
9:30:55
